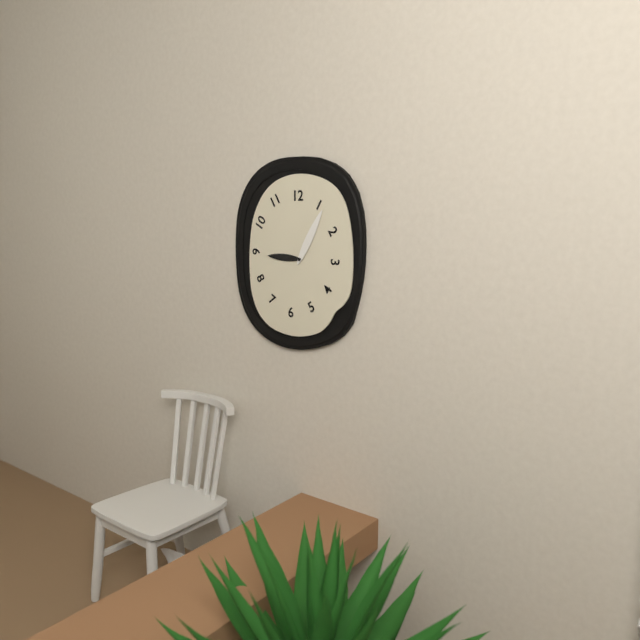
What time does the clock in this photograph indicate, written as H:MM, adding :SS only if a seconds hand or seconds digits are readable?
9:05
